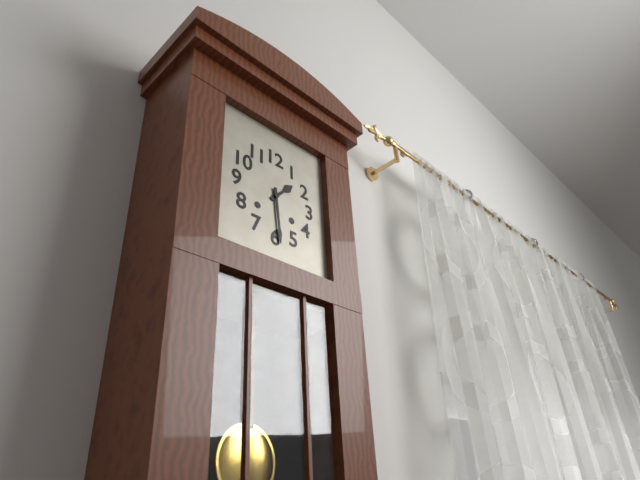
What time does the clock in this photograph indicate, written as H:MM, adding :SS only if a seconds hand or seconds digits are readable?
1:29
